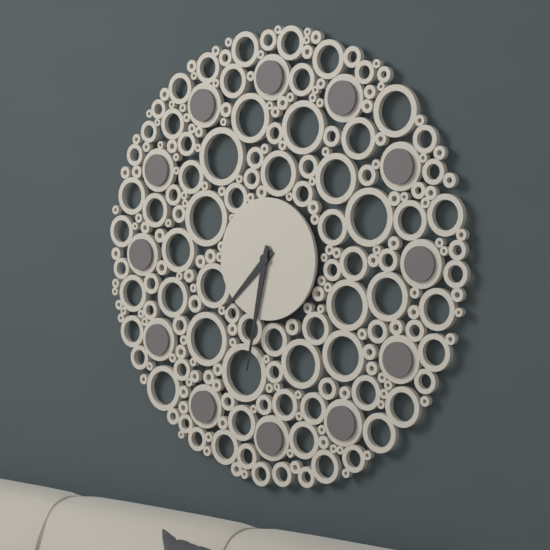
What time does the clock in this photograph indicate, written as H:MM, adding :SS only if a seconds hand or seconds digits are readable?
7:32
